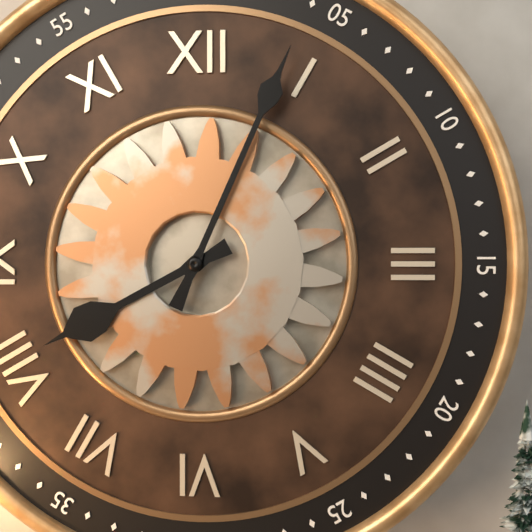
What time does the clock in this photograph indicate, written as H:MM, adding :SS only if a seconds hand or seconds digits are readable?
8:04
